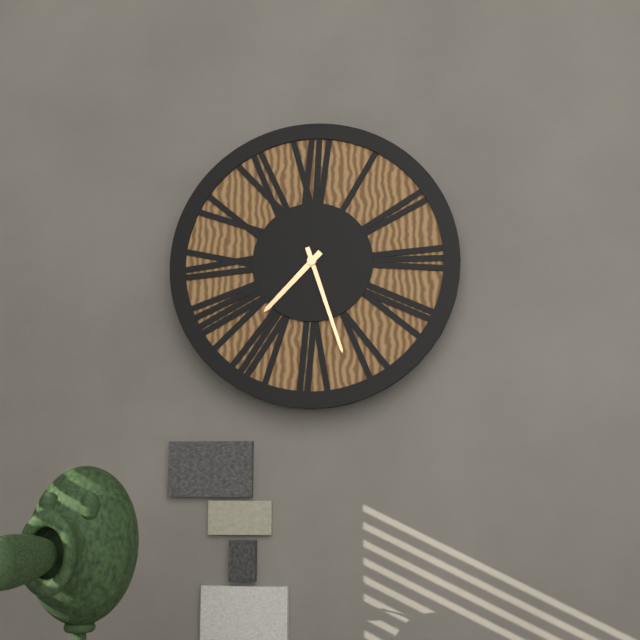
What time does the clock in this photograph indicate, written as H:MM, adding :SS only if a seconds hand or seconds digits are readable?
7:27
